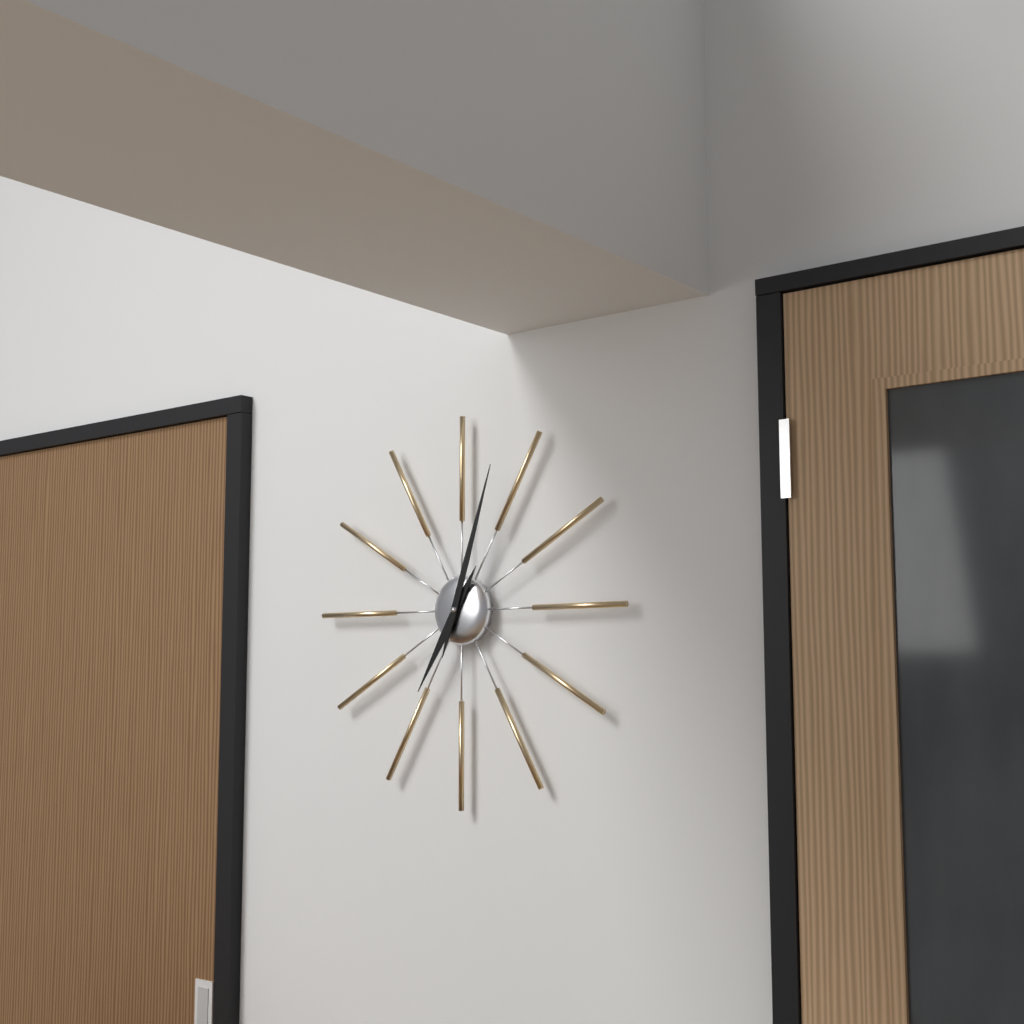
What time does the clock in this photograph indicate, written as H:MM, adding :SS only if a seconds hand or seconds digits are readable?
7:03
